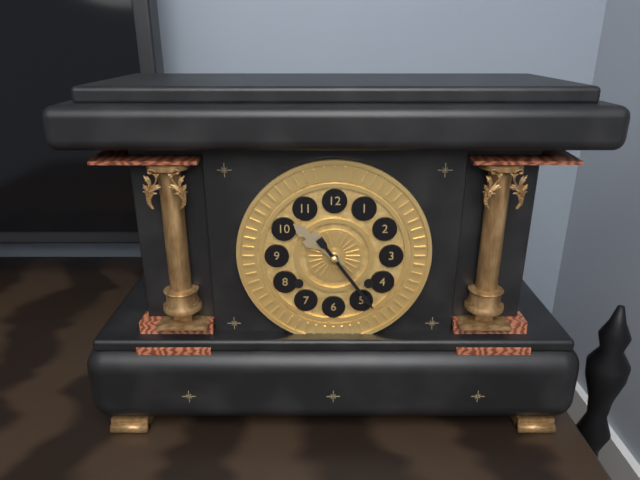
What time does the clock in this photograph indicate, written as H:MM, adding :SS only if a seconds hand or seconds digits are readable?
10:24
